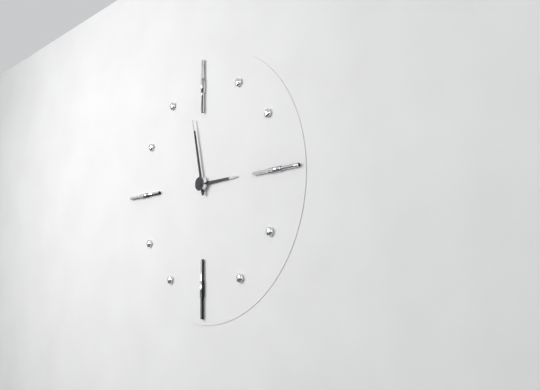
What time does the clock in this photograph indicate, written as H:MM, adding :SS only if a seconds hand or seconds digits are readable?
2:58
